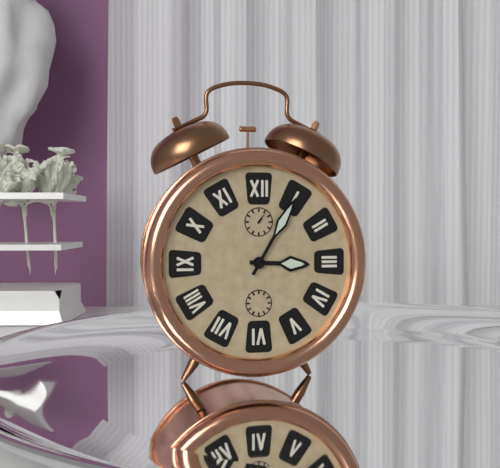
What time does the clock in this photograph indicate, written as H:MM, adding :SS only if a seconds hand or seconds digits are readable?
3:05
